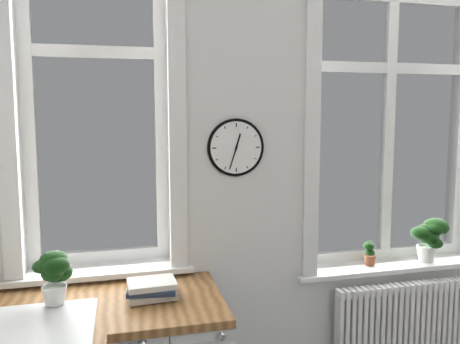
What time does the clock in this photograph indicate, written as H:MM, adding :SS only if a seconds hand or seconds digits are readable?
12:33
